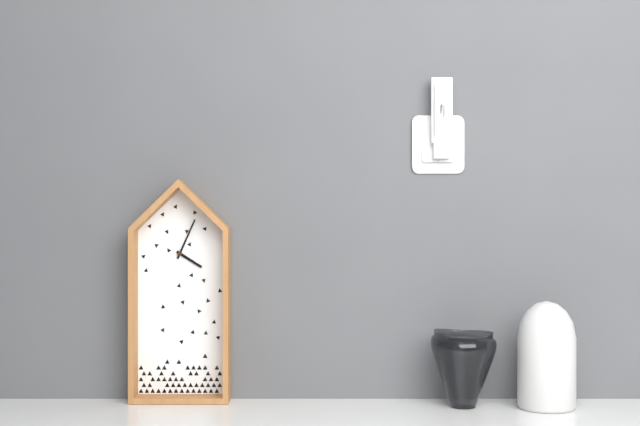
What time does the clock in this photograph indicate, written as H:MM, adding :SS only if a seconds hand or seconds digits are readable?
4:04
